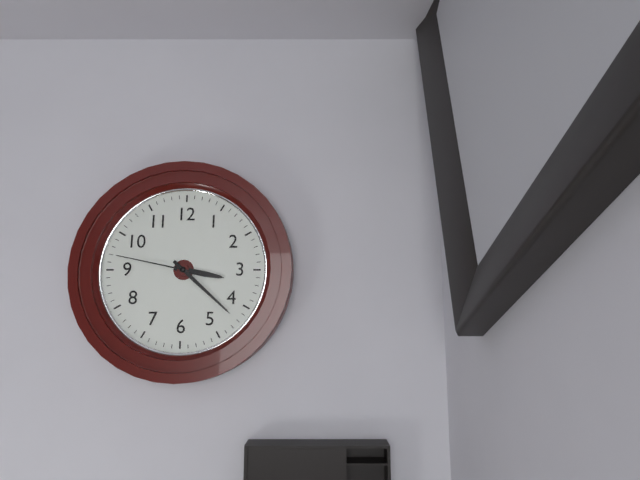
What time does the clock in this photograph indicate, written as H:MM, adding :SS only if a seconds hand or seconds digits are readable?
3:22:47
